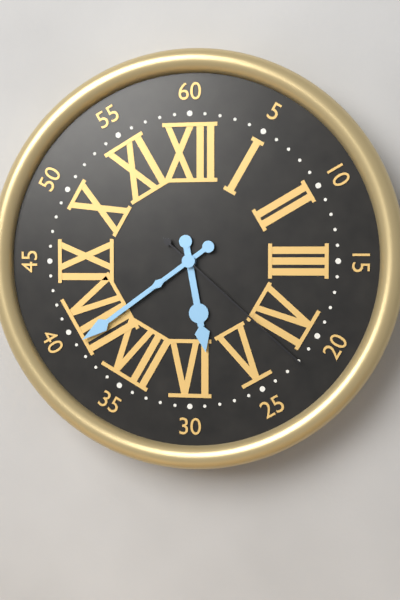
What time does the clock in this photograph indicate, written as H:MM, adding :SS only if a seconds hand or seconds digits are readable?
5:39:22
